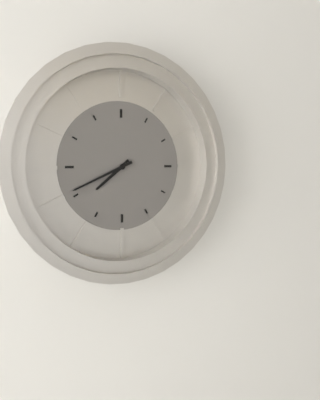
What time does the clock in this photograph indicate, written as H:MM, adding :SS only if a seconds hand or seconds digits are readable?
7:41
